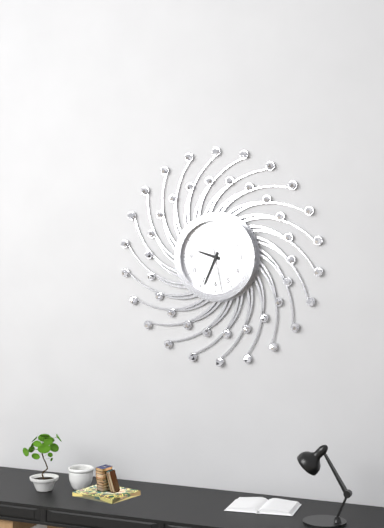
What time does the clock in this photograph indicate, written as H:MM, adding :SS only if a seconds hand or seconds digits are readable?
9:34
